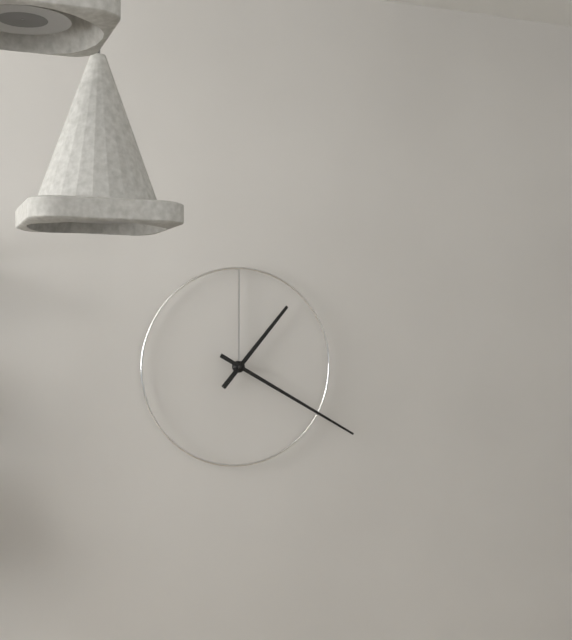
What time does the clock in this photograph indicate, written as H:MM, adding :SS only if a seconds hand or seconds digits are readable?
1:20
